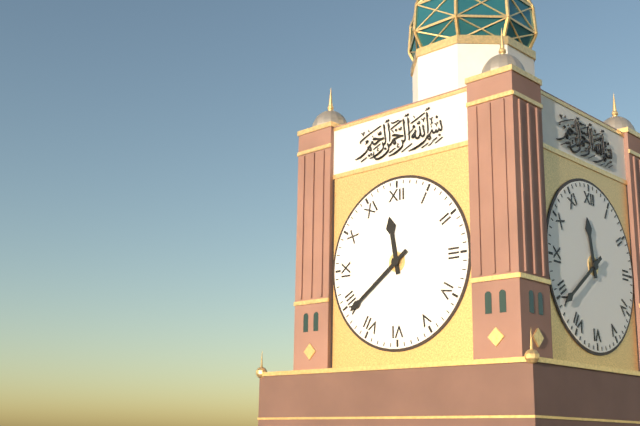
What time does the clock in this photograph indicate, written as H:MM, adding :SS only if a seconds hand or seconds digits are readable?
11:39
